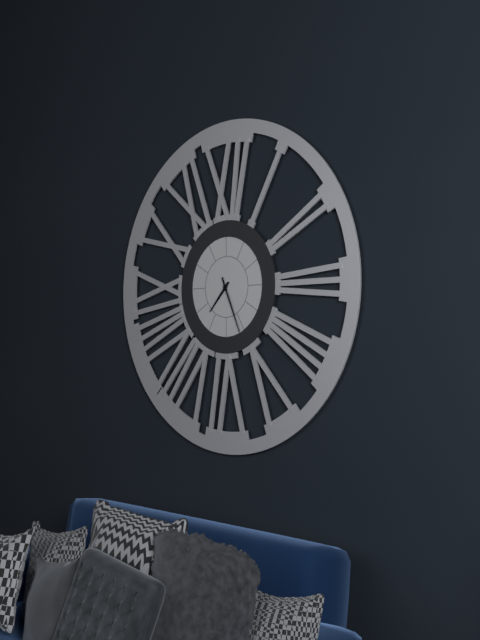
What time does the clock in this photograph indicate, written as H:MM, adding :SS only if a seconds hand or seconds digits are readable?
7:26
